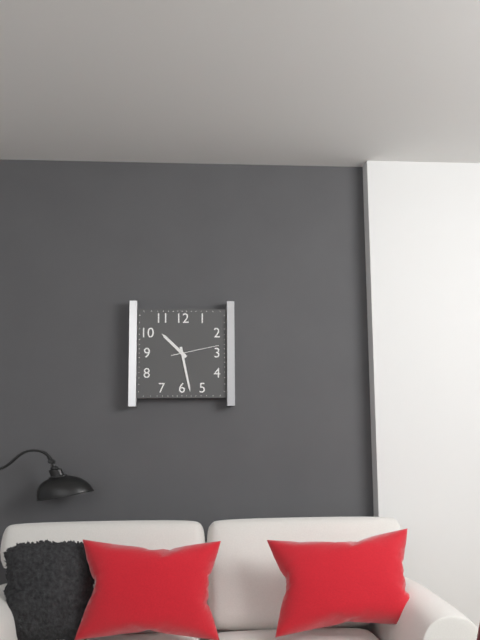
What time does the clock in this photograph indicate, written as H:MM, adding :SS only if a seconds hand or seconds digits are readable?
10:28
